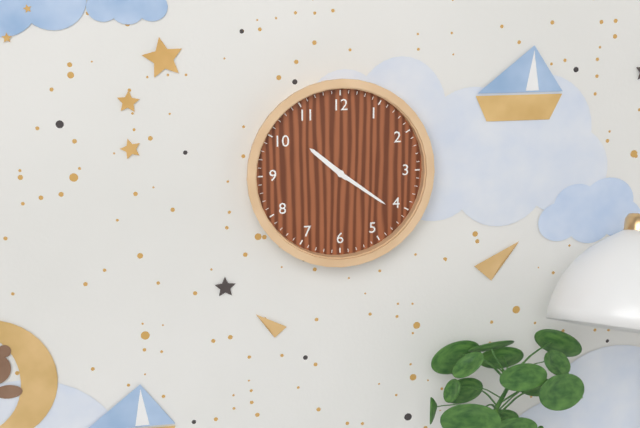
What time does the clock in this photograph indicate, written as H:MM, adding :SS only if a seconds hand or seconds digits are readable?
10:21
